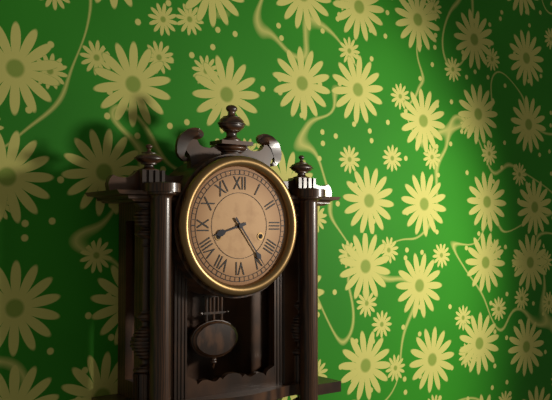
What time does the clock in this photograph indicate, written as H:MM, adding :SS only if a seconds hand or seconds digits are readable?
8:24
